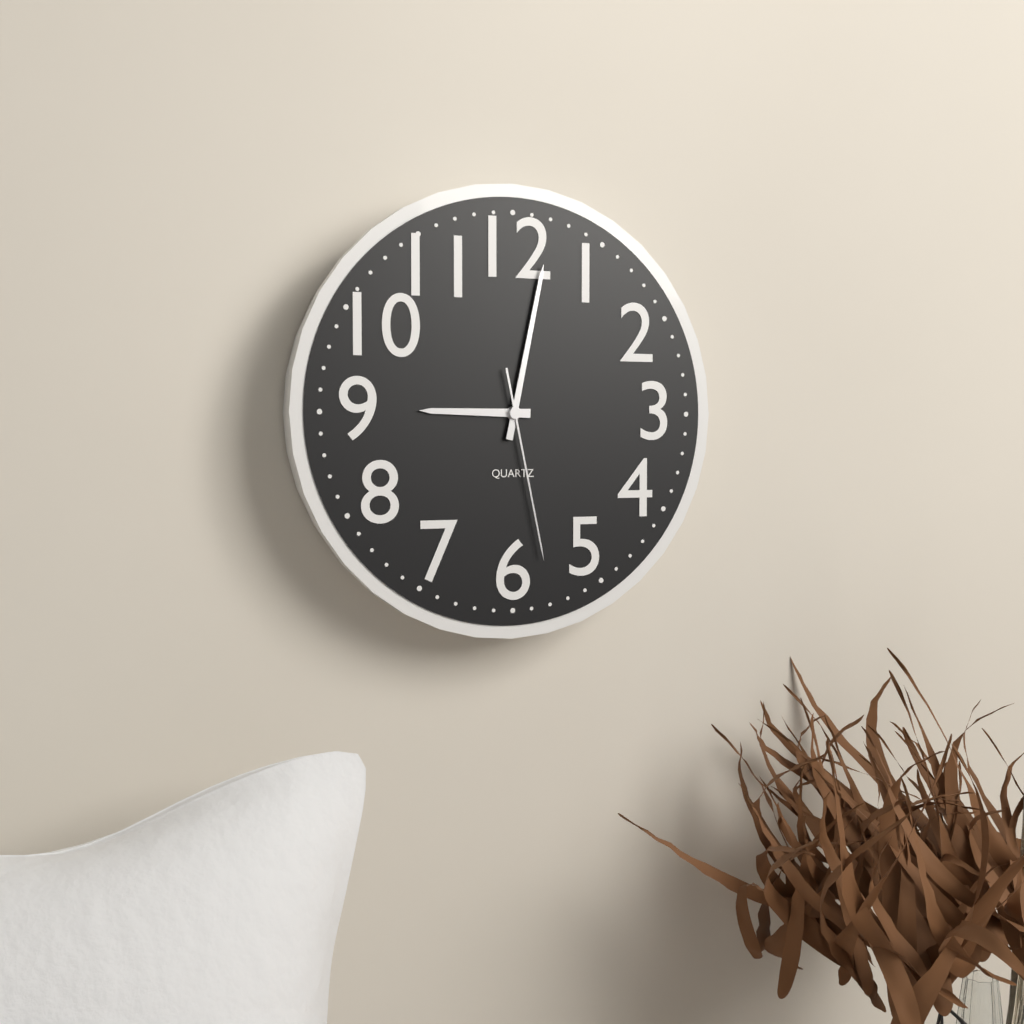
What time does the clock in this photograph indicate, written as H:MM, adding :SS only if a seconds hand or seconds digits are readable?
9:02:28
